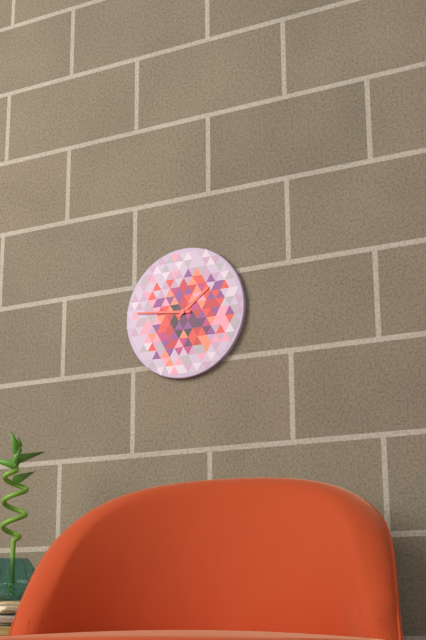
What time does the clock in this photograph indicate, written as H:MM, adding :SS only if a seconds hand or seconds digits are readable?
1:46
